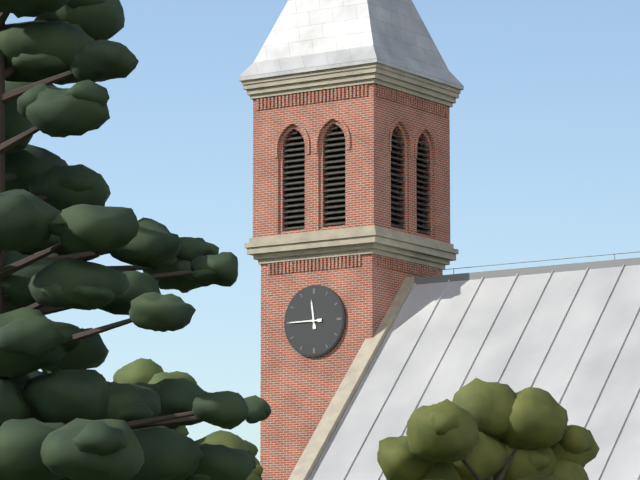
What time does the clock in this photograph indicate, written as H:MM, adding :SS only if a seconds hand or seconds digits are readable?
11:45
